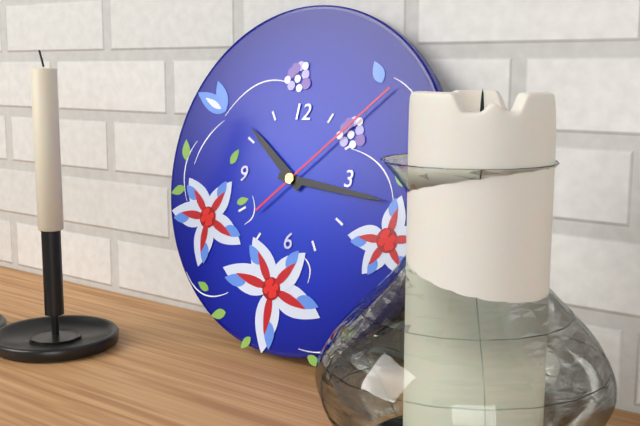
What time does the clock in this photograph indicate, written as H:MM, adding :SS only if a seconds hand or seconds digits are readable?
10:16:08
